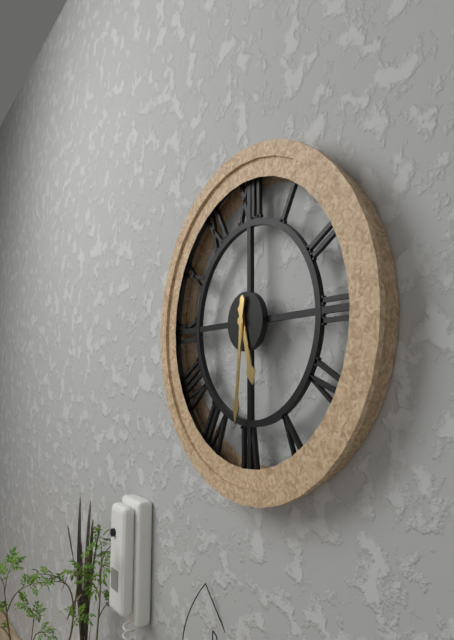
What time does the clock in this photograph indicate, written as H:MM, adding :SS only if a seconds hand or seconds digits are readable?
5:31
